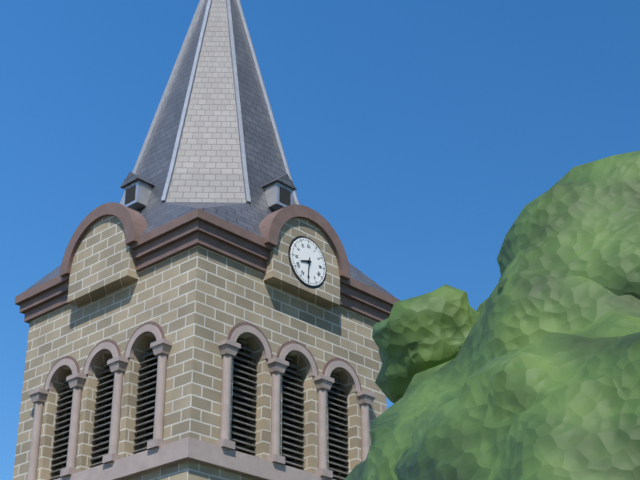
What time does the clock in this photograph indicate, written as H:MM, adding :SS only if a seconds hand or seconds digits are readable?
8:31
